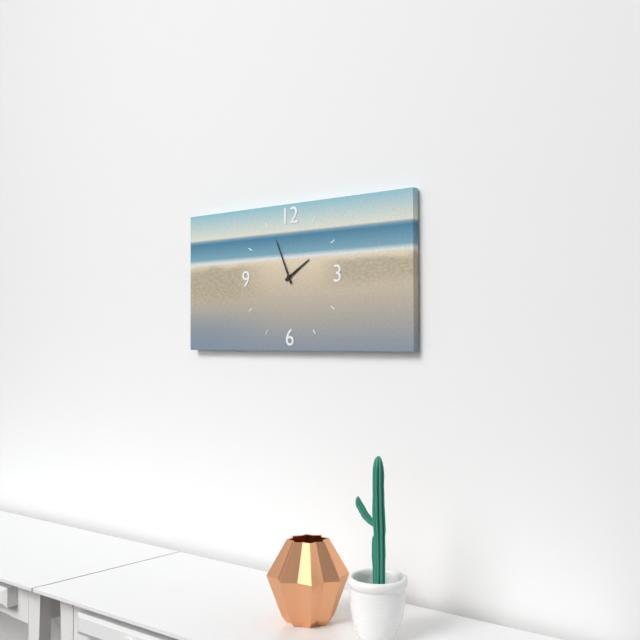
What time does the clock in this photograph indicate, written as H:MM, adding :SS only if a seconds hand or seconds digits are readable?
1:56
